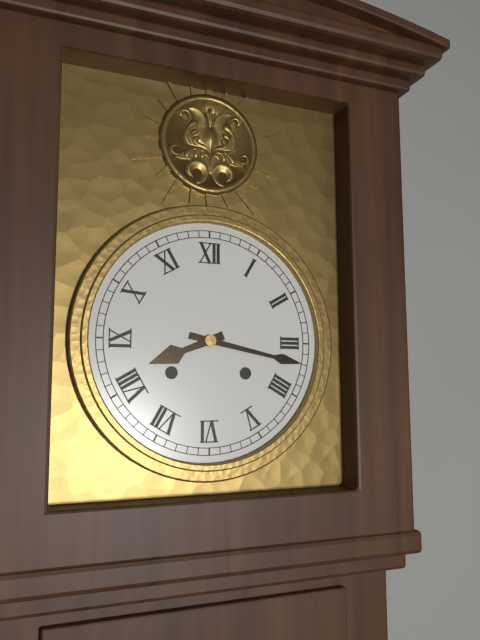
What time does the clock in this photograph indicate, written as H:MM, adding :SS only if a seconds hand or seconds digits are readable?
8:17
